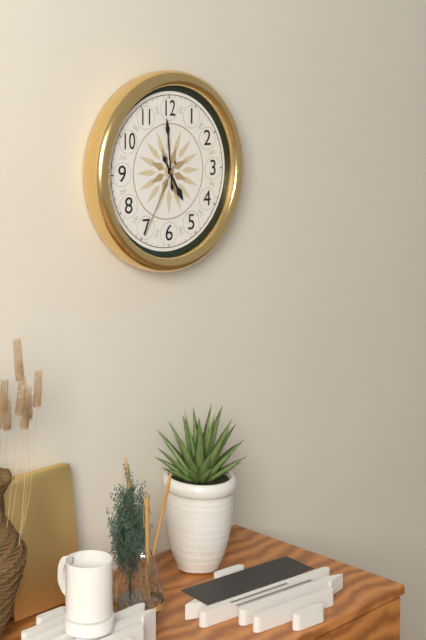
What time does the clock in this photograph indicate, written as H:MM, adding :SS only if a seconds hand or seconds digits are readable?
4:59:35
